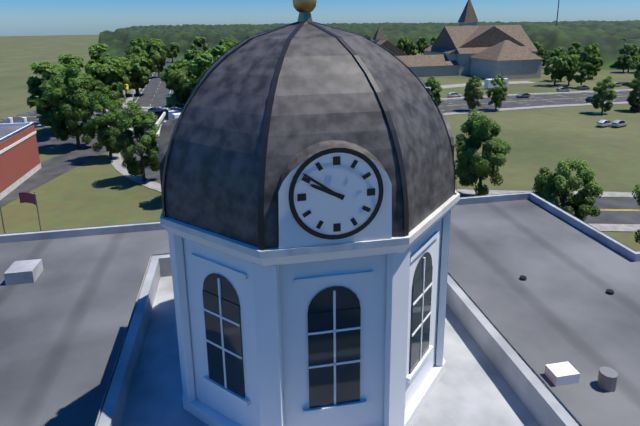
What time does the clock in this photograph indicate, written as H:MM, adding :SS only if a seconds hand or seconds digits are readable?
9:51
